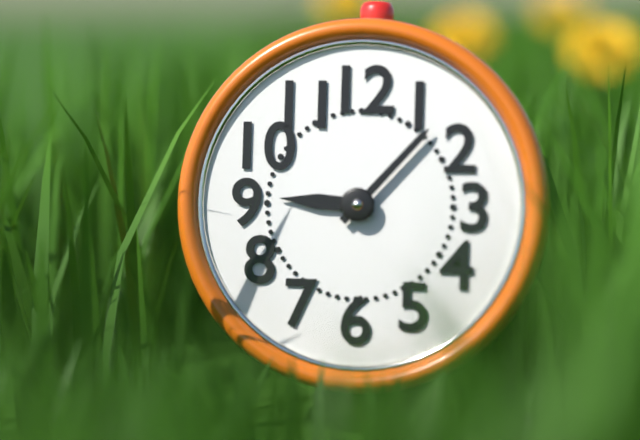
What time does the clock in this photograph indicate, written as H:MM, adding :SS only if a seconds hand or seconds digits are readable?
9:07
